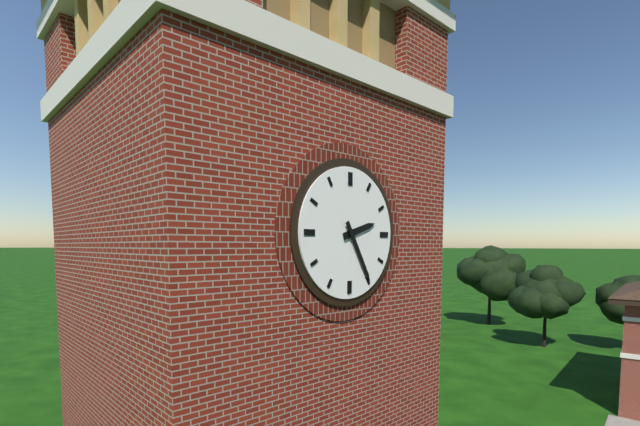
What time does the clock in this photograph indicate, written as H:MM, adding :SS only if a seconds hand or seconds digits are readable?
2:25
